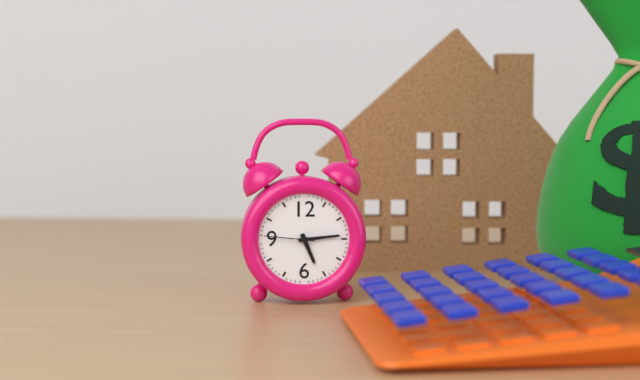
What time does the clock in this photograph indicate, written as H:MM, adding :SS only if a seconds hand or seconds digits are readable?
5:14:46
